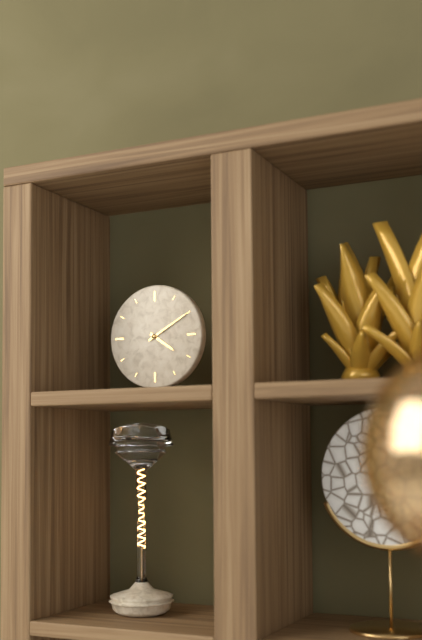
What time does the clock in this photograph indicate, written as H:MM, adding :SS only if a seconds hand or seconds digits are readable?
4:10
